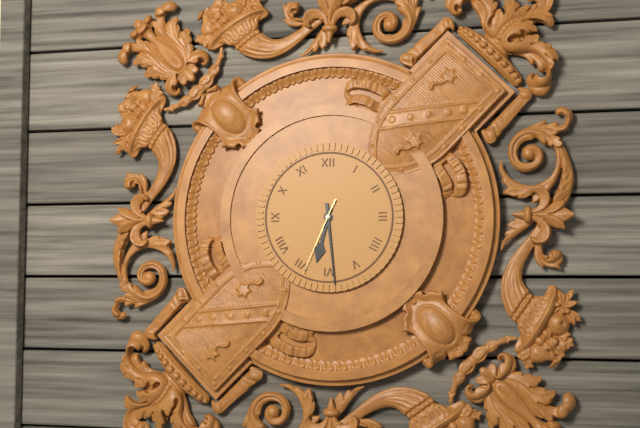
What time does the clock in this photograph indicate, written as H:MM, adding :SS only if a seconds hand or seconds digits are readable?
6:29:34
